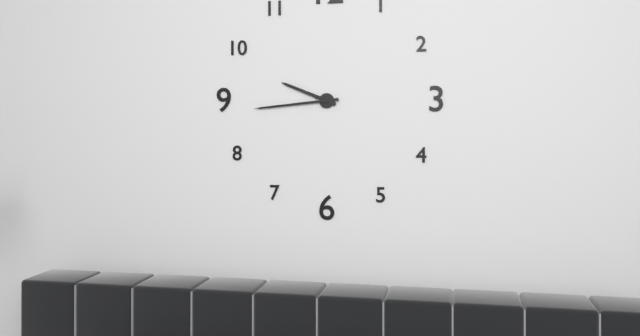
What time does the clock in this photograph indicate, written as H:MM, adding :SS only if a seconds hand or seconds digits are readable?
9:44
